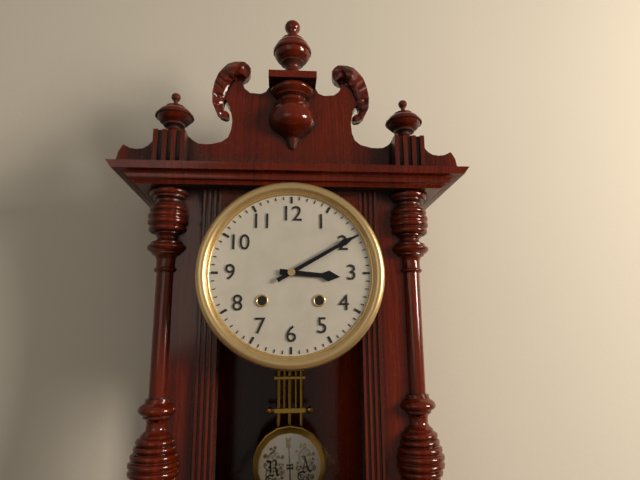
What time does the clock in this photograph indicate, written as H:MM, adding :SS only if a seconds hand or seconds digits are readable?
3:10
